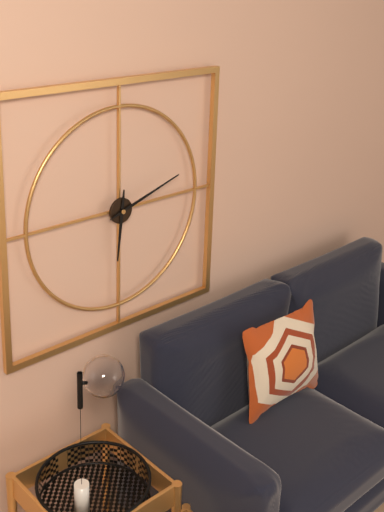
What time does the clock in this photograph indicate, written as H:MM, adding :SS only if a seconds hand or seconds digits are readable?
6:12
